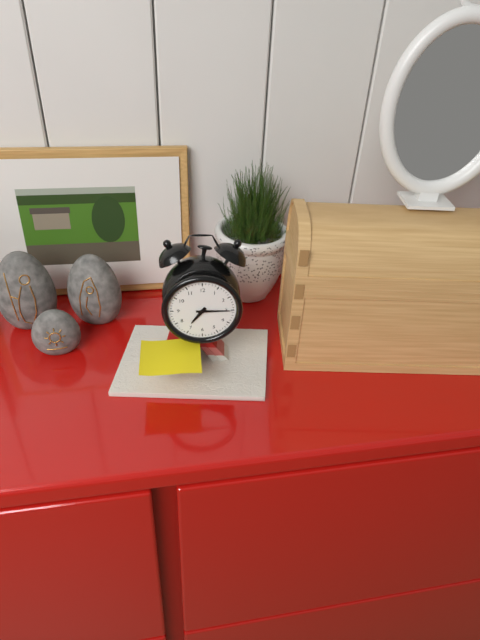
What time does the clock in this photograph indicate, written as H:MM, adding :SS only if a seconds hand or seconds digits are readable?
7:15
